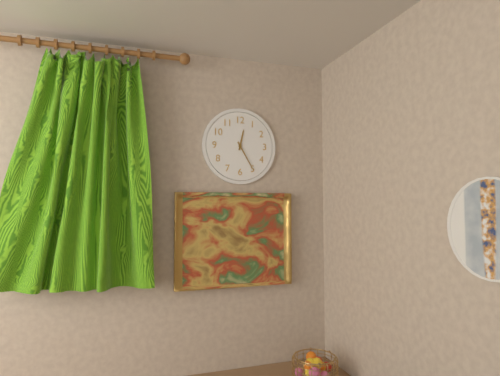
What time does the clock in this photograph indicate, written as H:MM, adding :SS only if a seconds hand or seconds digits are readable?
12:25
